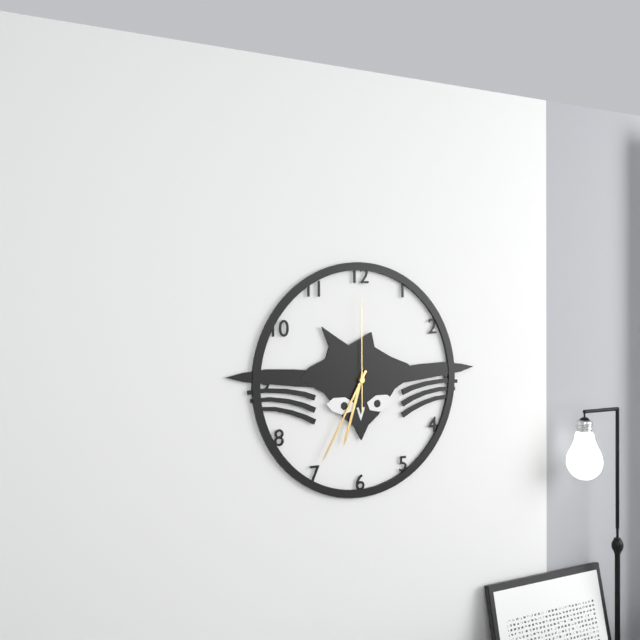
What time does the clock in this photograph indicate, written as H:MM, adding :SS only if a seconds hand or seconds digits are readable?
6:35:00
